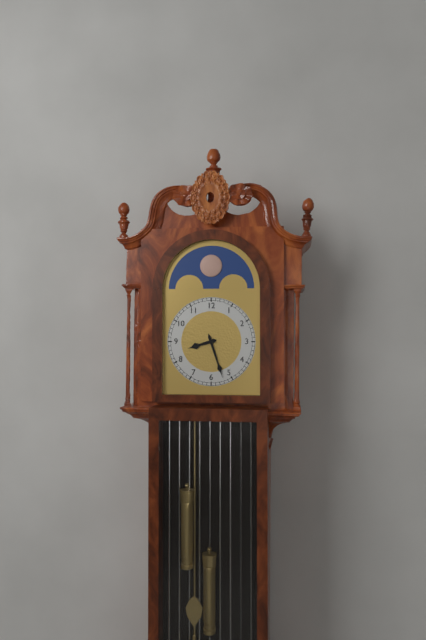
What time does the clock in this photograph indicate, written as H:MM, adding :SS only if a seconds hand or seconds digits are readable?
8:27
